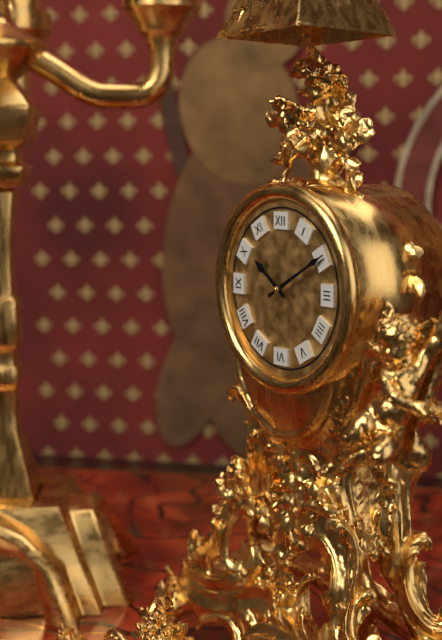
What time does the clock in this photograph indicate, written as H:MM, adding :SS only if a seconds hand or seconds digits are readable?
10:10
